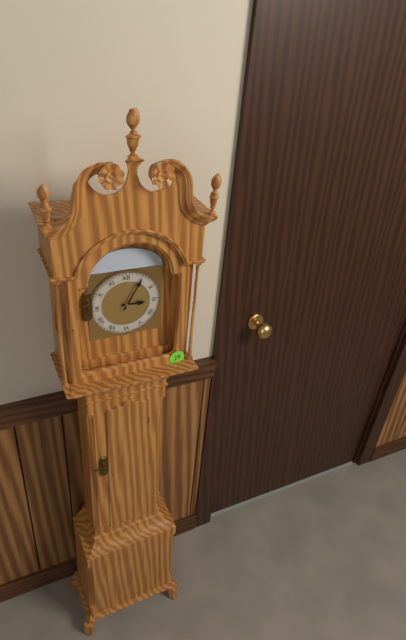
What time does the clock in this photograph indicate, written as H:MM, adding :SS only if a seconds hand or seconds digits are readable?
3:05
